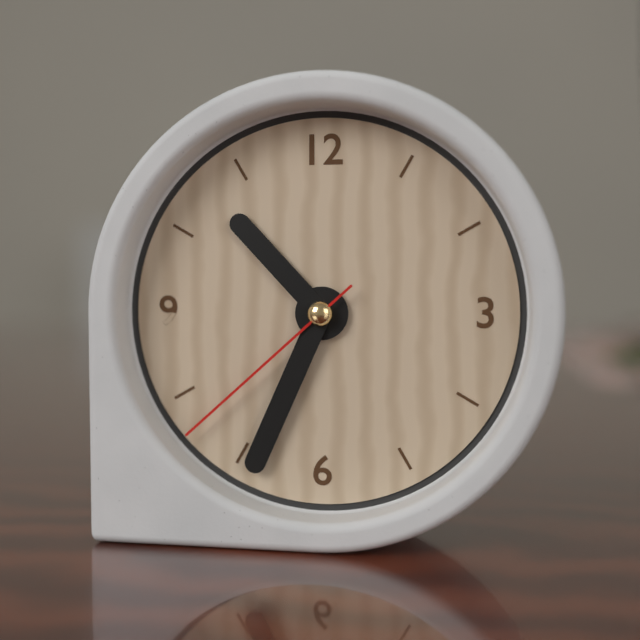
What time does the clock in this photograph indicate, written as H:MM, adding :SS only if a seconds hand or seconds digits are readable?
10:34:38
